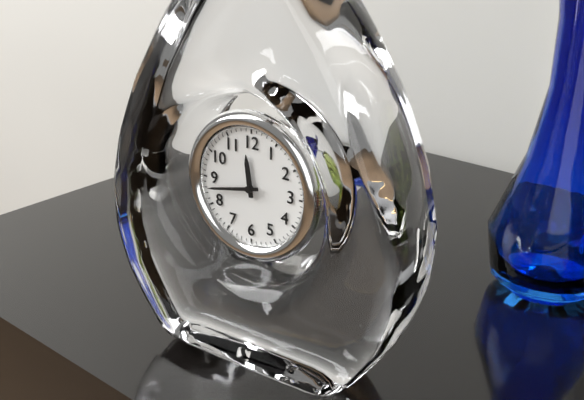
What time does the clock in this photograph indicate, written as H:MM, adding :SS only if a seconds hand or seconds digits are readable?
11:43
